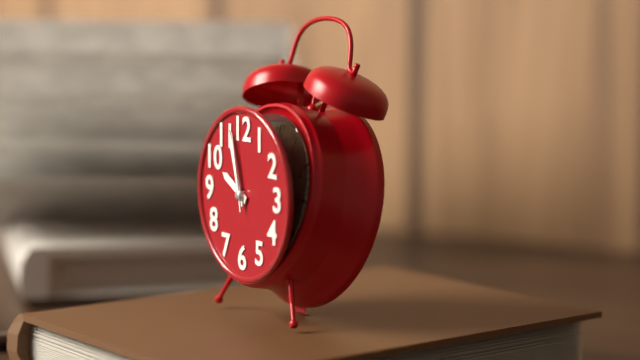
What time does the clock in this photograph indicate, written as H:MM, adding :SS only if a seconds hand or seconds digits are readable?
9:57:58
